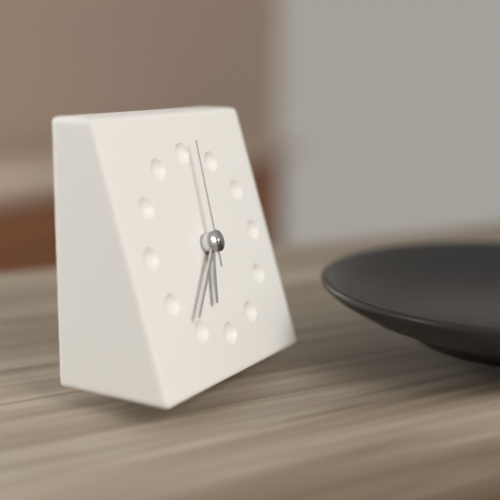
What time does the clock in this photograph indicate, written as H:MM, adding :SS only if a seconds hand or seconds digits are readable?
6:37:01
